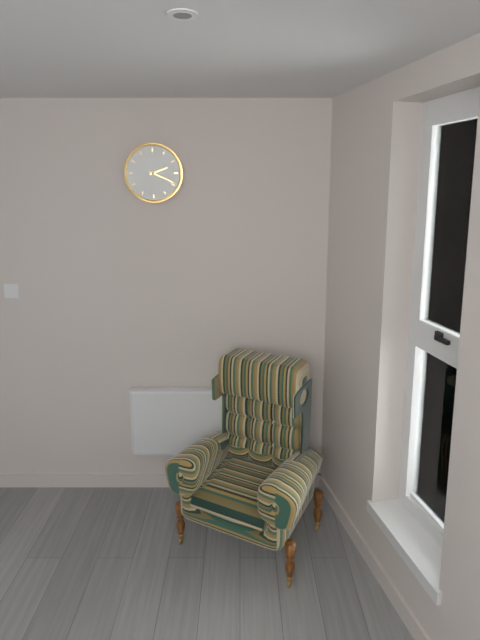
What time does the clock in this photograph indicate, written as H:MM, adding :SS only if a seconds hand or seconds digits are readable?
2:19
